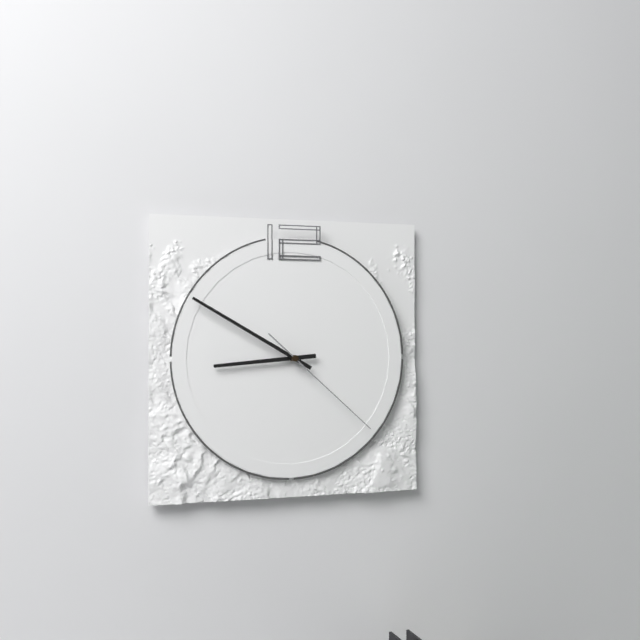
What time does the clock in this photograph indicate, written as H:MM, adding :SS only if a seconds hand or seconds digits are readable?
8:50:22
